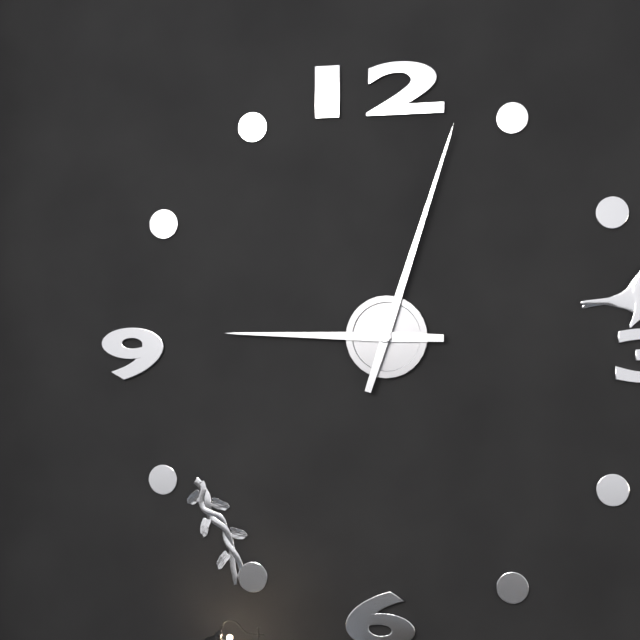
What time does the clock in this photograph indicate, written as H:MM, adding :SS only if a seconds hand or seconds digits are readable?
9:03
